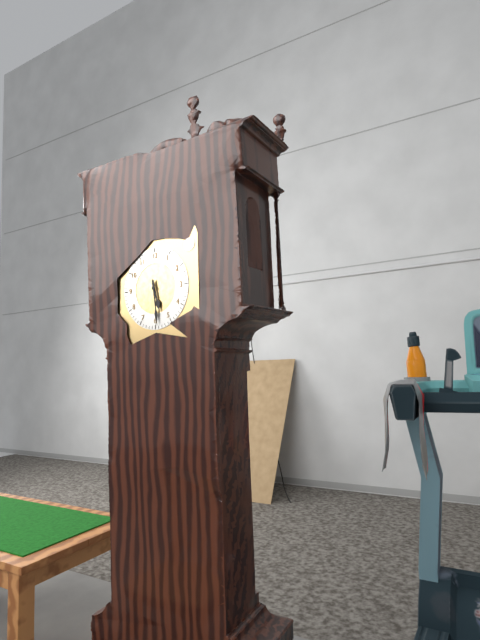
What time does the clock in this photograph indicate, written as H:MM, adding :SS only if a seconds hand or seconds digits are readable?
5:29
